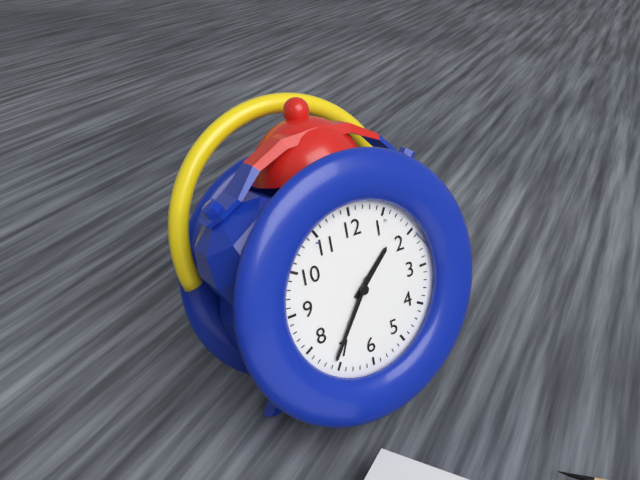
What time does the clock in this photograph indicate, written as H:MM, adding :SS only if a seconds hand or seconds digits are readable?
1:36
